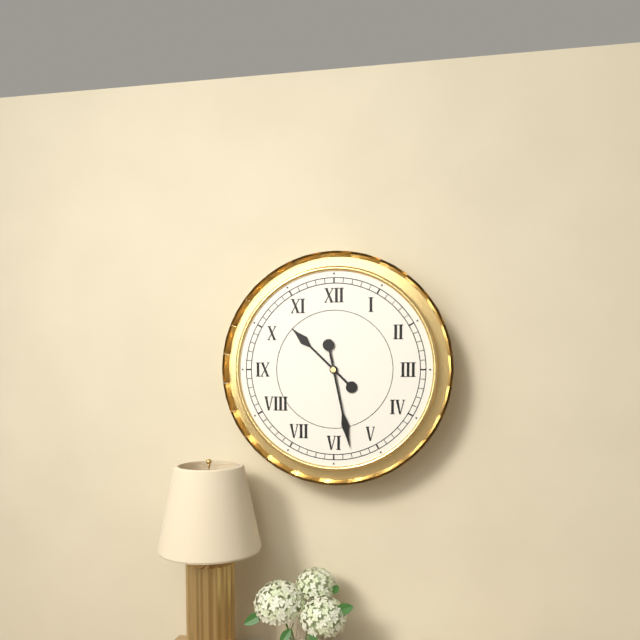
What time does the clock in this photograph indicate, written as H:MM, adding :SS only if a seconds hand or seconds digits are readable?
10:28
